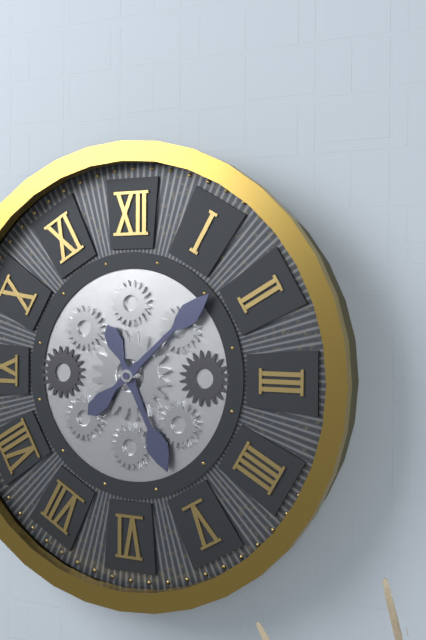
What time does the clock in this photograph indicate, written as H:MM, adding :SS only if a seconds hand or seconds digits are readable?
5:08
